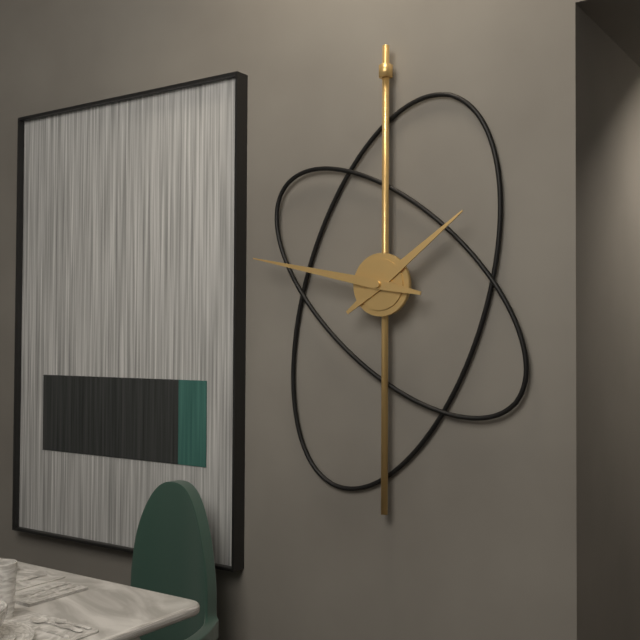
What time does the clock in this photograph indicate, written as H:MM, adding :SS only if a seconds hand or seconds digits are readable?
1:47
